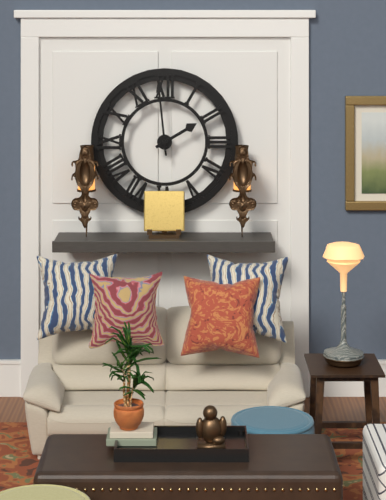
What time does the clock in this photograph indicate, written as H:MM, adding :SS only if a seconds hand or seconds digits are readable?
1:59
